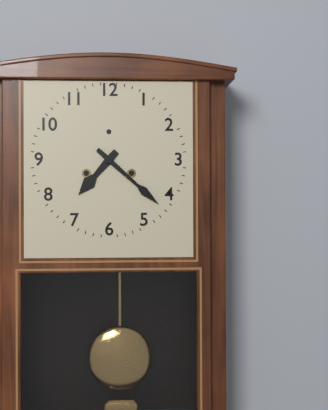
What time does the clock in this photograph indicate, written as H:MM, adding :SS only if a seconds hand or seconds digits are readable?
7:22
